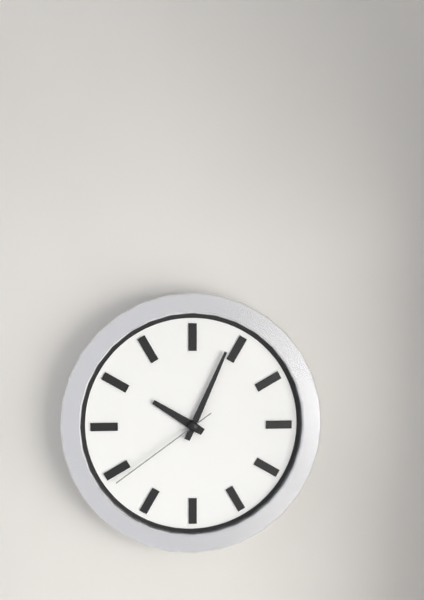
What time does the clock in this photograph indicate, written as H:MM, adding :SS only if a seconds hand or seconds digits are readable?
10:04:39
